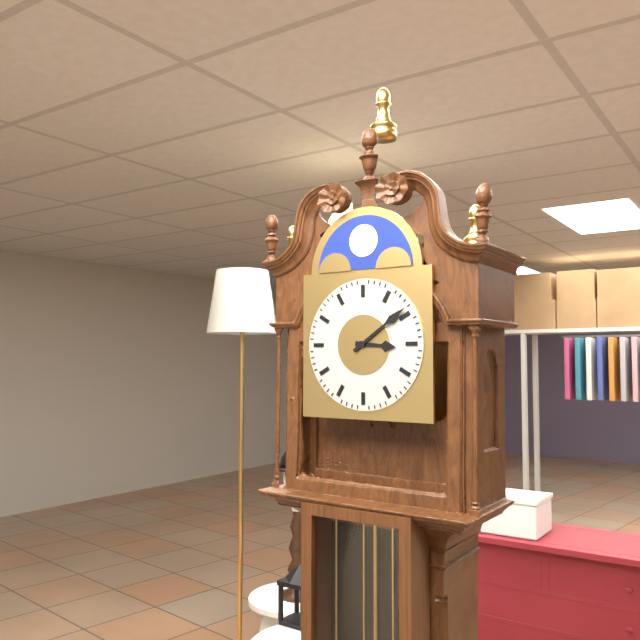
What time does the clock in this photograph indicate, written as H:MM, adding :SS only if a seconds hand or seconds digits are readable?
3:09
